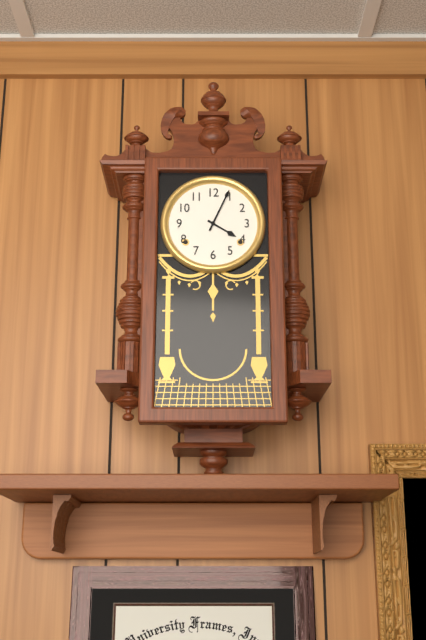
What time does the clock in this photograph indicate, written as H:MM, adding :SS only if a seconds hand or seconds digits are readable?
4:04
